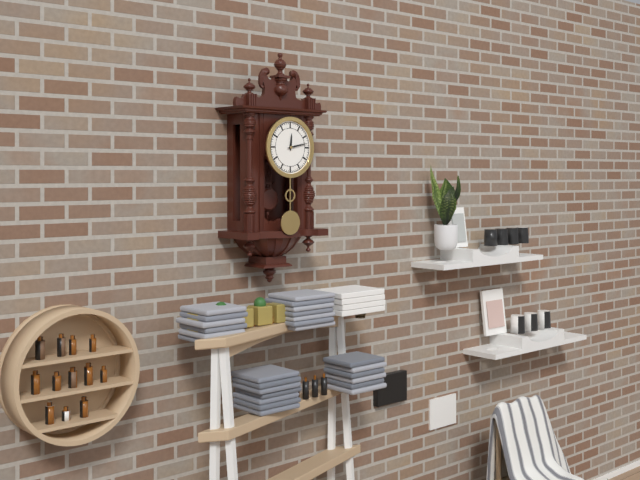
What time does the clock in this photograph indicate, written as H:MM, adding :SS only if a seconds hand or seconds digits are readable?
12:13
